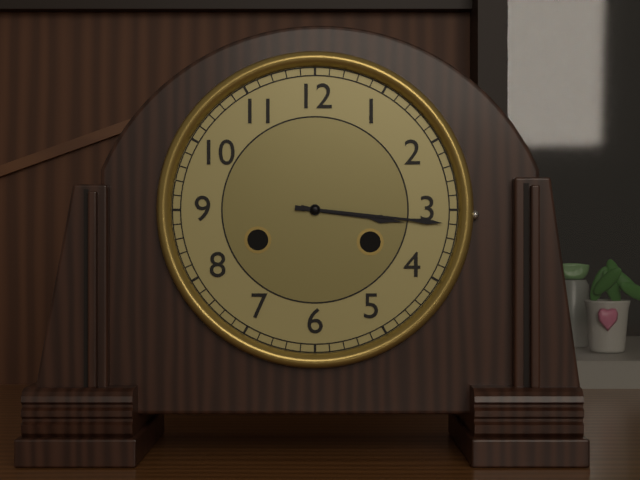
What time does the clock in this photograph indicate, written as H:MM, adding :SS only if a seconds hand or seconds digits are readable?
3:16
